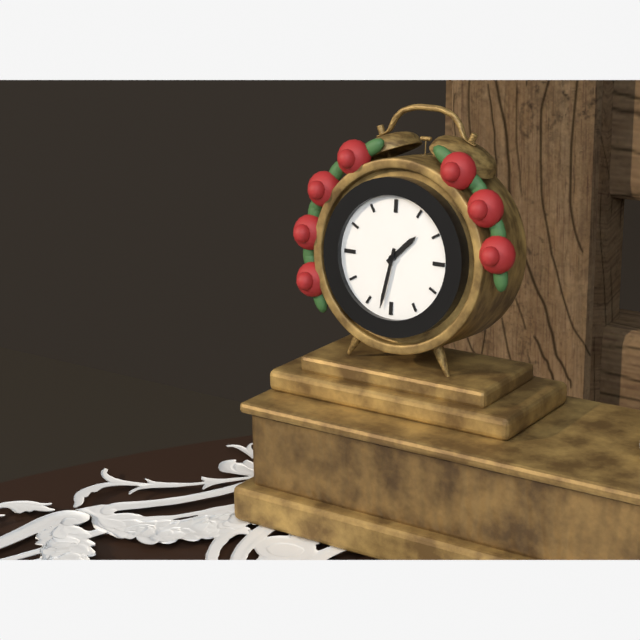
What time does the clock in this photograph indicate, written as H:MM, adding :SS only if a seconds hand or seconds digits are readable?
1:32
